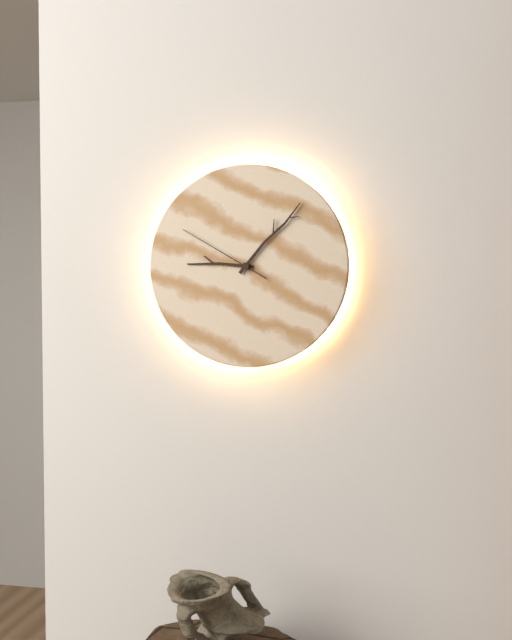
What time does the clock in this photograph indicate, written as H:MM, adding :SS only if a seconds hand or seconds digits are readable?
9:07:50
